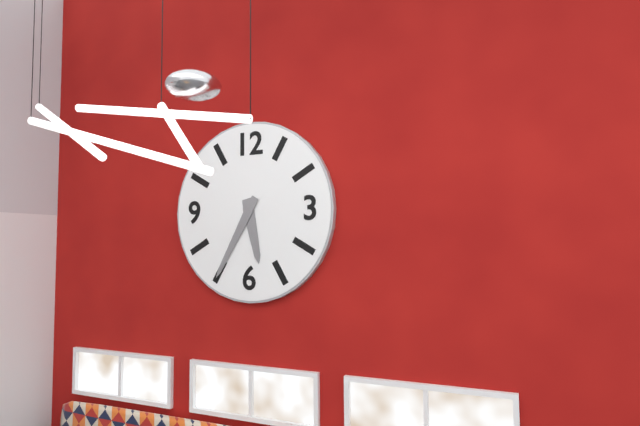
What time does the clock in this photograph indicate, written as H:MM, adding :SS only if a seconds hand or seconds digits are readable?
5:35
